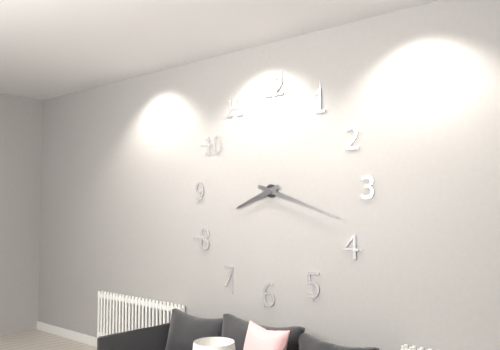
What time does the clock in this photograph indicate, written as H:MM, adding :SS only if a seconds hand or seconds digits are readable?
8:18
